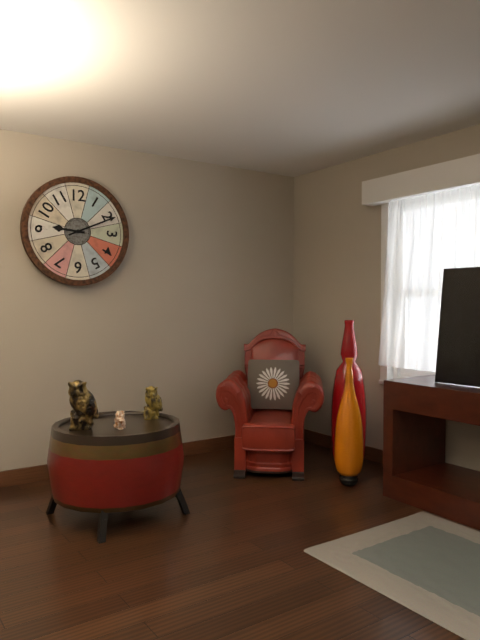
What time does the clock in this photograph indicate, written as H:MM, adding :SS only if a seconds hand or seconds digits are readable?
9:11
